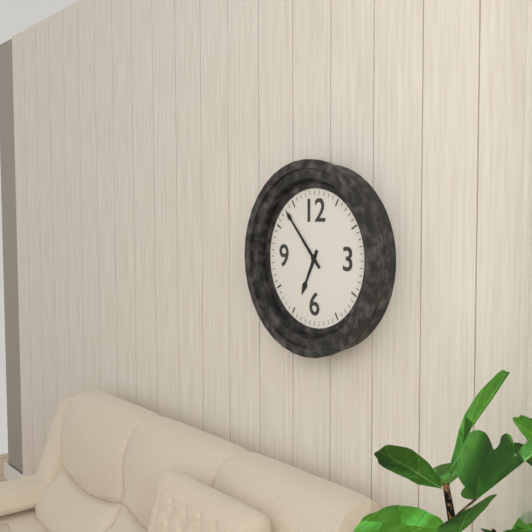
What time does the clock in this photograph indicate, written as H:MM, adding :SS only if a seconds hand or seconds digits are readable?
6:53
